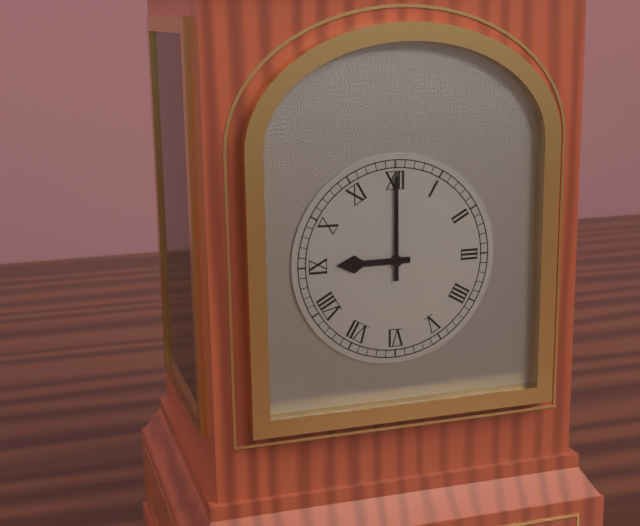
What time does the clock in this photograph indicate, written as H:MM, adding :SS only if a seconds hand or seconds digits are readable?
9:00
